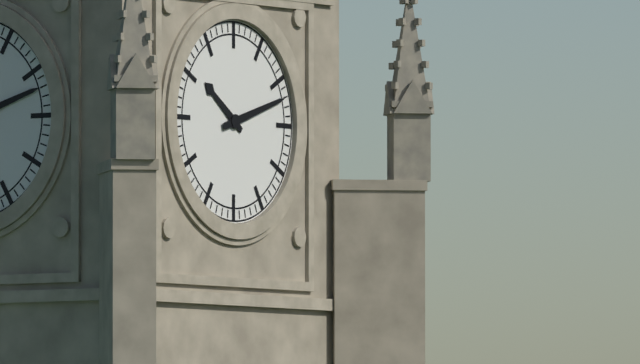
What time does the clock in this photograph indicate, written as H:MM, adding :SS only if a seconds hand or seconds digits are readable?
10:12
